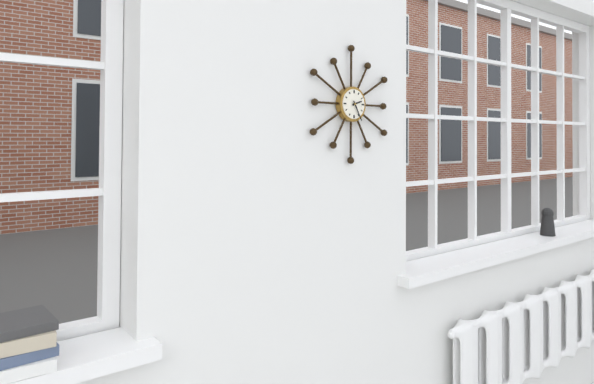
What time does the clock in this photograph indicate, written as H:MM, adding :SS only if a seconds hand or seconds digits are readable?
2:25
